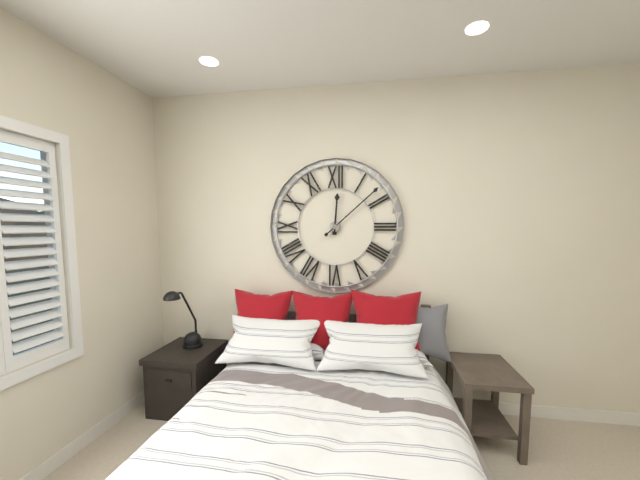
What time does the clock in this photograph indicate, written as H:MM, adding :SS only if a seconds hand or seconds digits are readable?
12:08
